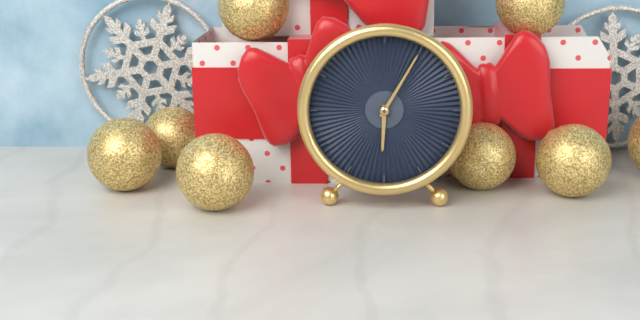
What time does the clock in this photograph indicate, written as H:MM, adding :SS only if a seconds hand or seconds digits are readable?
6:05
